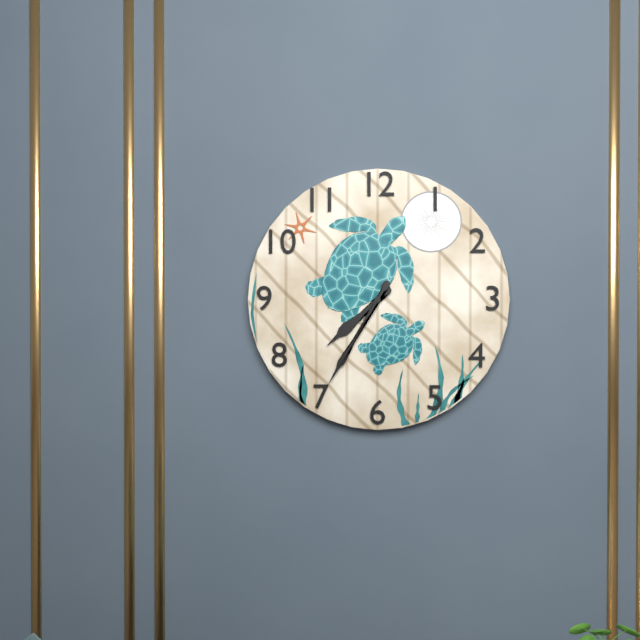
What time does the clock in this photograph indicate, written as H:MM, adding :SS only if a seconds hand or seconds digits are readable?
7:35
